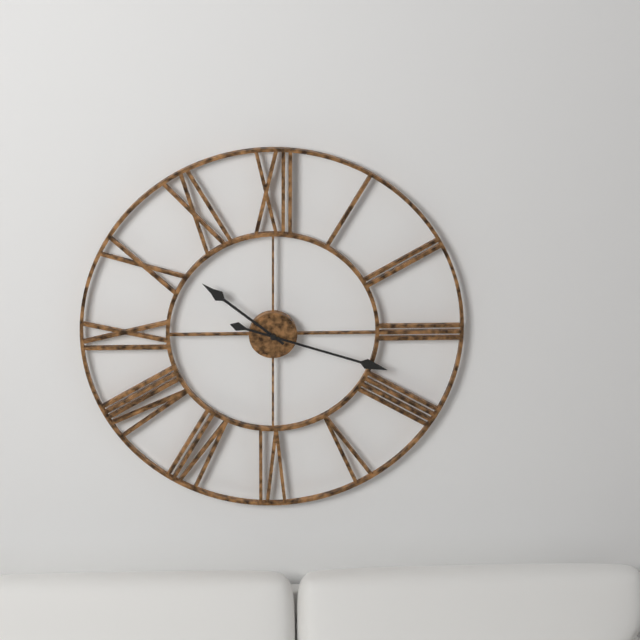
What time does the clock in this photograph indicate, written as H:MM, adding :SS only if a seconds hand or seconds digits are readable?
10:18
